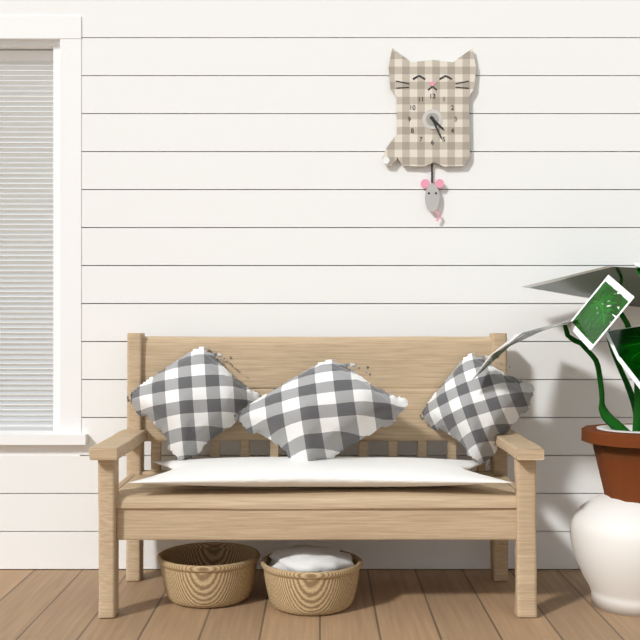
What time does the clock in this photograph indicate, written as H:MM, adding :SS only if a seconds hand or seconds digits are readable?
4:26
